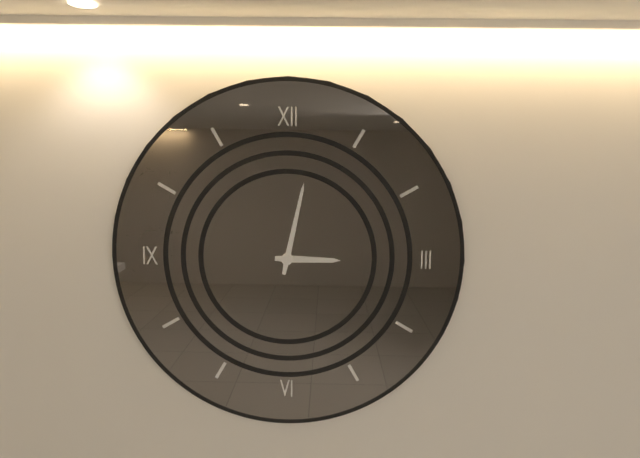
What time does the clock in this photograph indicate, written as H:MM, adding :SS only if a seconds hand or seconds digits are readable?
3:02
